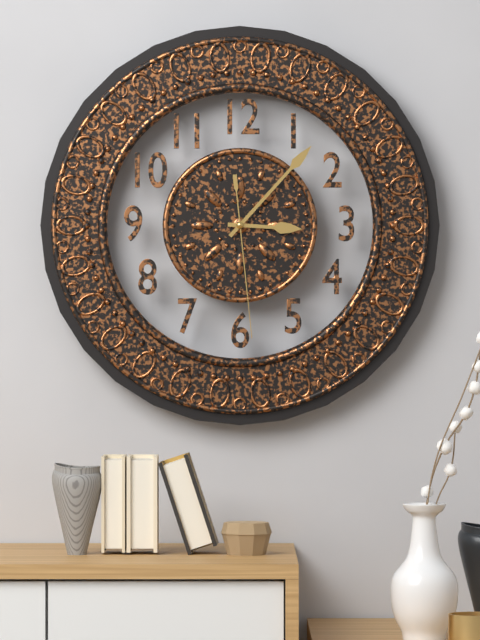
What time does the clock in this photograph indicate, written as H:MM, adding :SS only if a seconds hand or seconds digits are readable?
3:07:29
